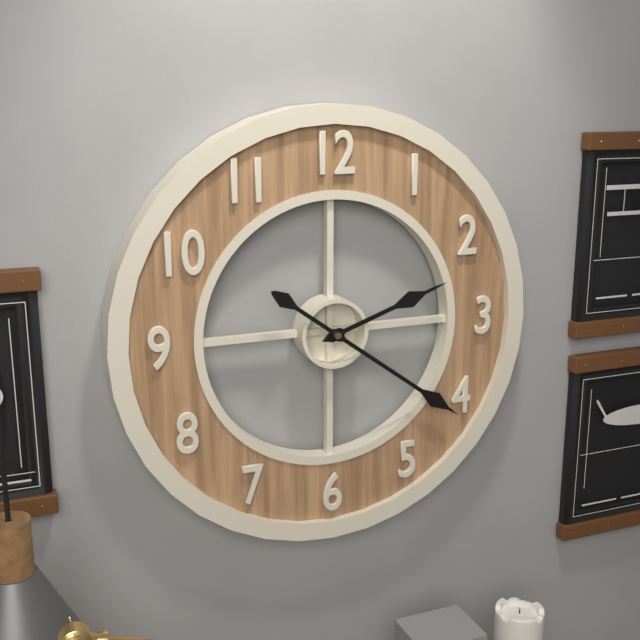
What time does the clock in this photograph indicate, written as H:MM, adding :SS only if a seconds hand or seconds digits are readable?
2:21
